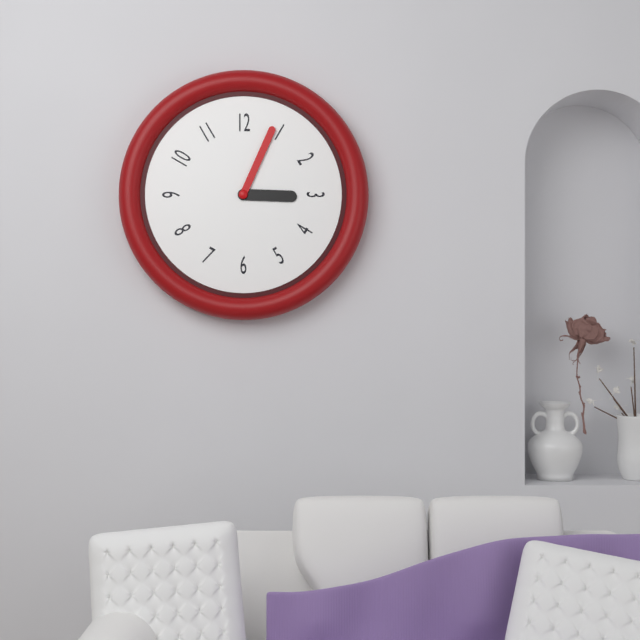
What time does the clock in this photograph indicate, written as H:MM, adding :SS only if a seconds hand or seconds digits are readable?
3:04
